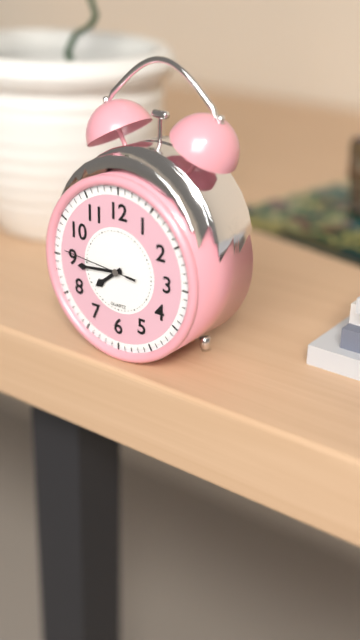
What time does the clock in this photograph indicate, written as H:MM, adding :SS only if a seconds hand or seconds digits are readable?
7:44:46
